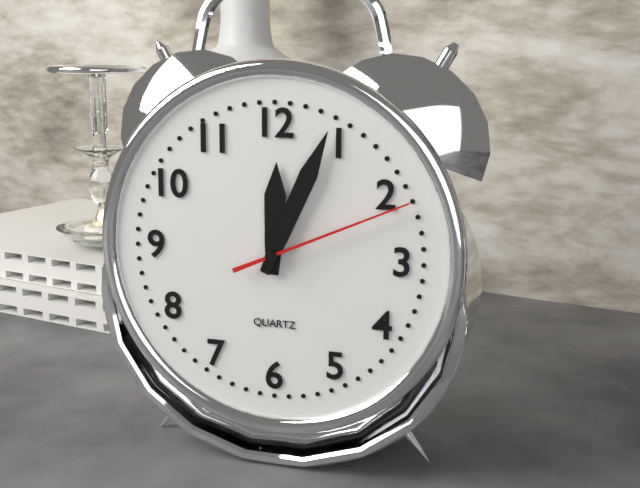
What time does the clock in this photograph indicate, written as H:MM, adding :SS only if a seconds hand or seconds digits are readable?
12:04:11
